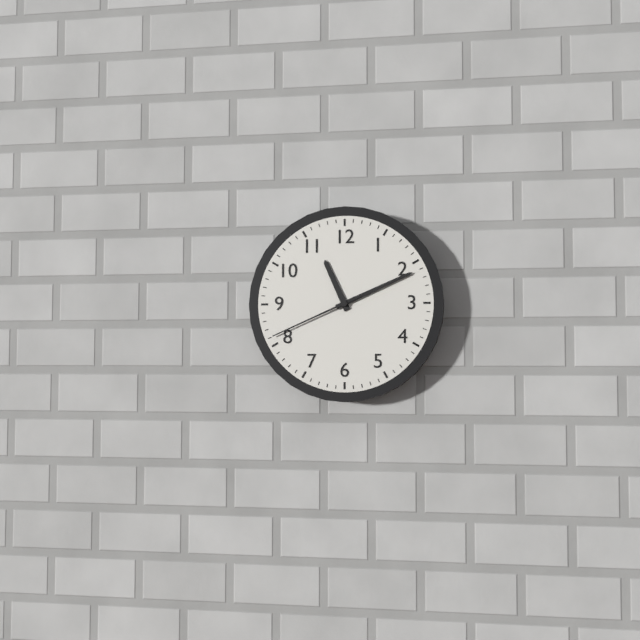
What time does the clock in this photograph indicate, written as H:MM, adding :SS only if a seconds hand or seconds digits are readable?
11:11:41
